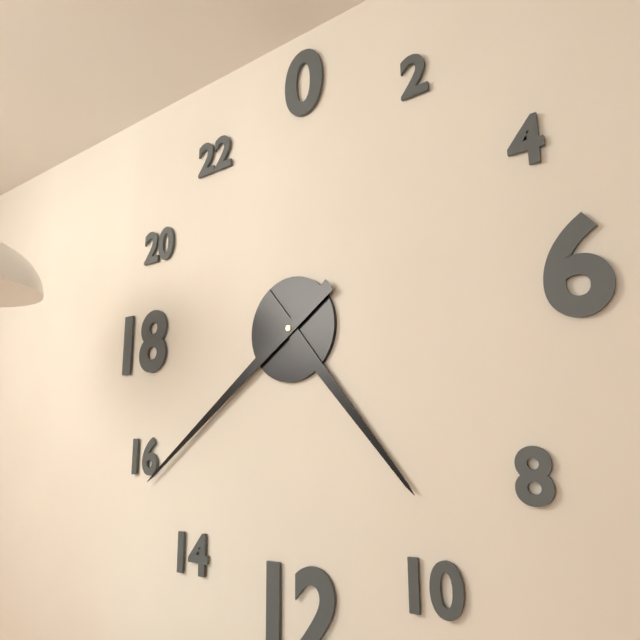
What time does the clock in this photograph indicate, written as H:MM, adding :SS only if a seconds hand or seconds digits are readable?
4:39
